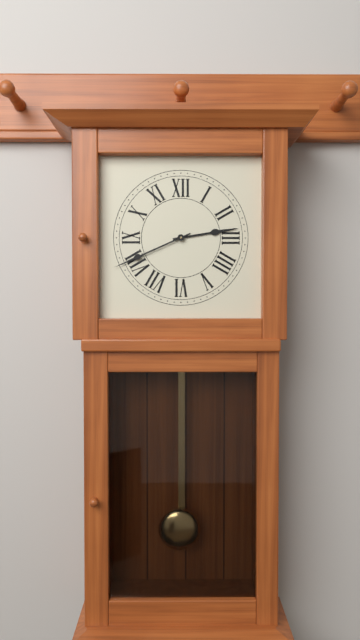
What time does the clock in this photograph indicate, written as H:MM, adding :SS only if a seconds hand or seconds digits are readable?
2:41
